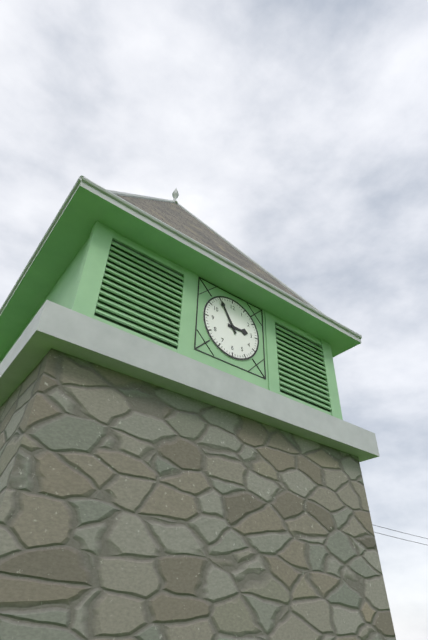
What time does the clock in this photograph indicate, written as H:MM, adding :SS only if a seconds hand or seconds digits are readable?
2:55
